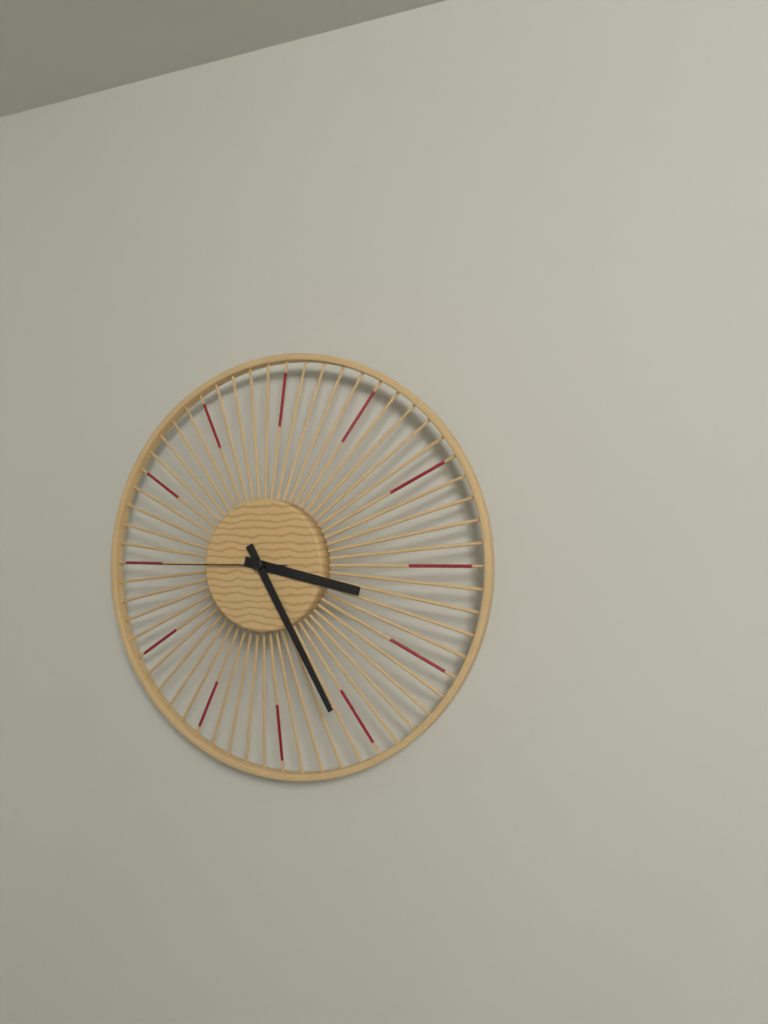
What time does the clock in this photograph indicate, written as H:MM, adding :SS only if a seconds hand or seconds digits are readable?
3:25:45
